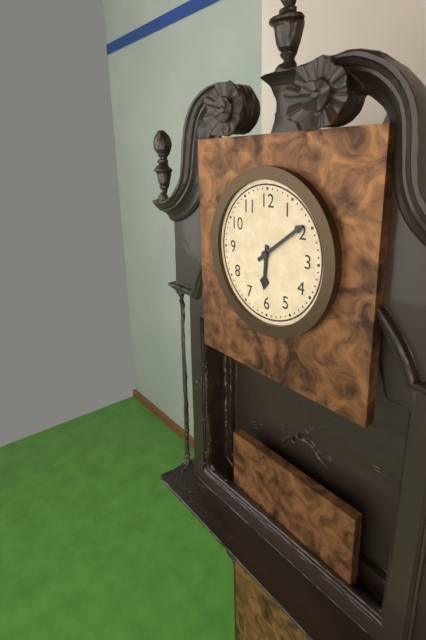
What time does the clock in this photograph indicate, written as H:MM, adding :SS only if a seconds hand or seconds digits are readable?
6:09
